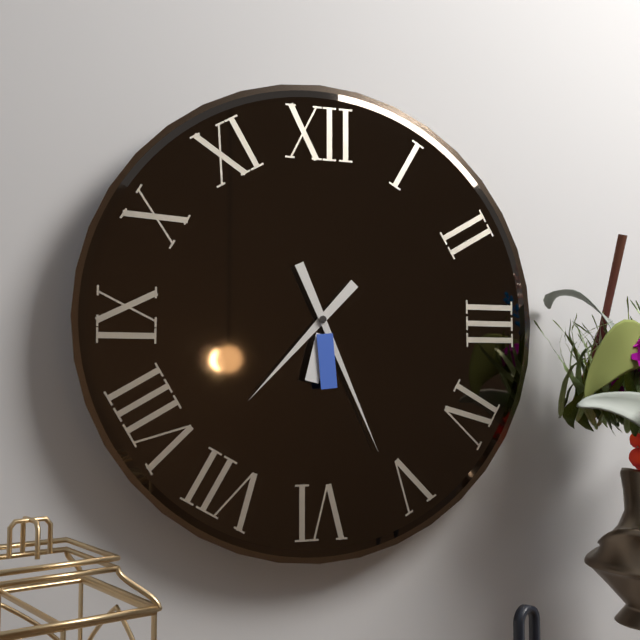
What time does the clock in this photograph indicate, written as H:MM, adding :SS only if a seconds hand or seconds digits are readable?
7:26
